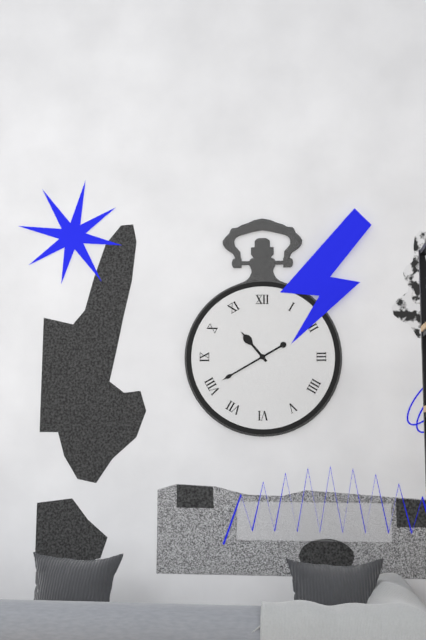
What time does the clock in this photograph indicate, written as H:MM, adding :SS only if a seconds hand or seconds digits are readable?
10:40
